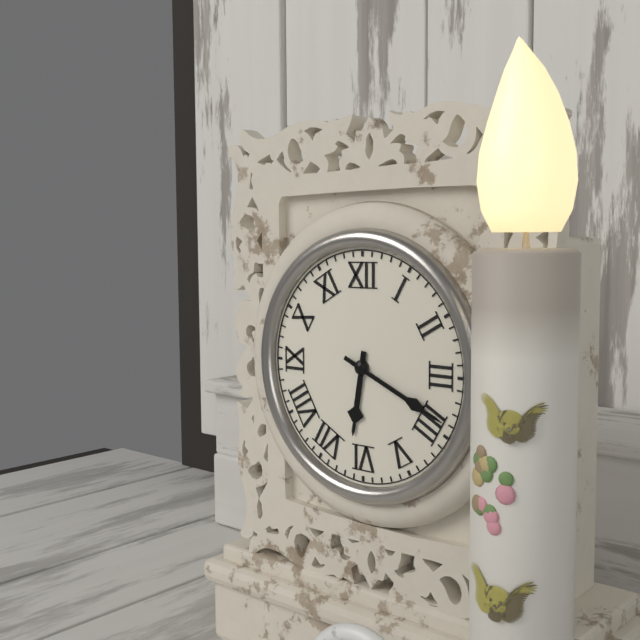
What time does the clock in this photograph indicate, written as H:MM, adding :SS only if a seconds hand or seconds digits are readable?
6:19
